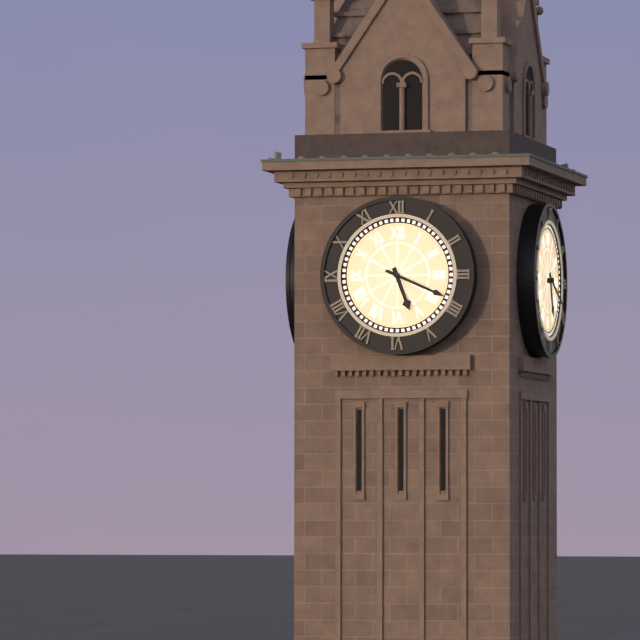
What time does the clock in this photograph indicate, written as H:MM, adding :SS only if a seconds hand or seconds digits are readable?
5:19
